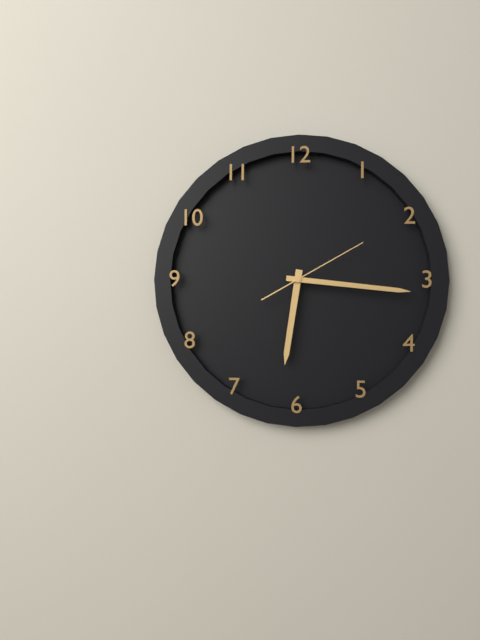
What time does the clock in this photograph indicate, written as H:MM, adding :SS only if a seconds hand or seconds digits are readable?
6:16:10
